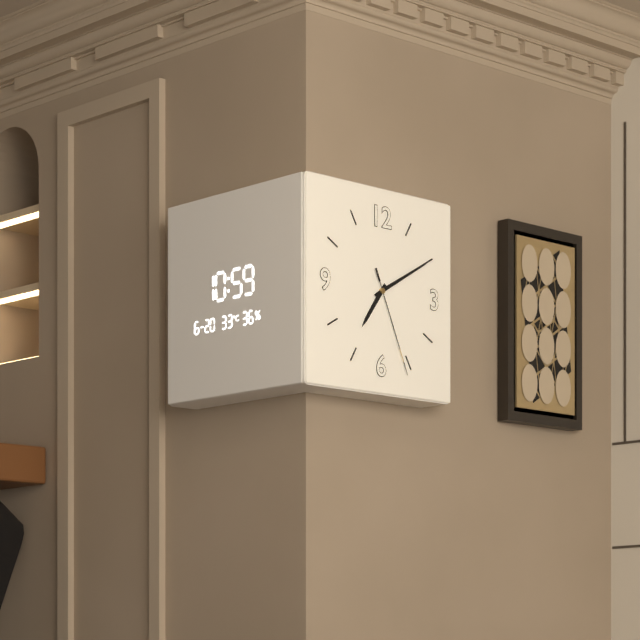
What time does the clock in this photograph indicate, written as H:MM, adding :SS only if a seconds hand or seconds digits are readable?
7:10:26
